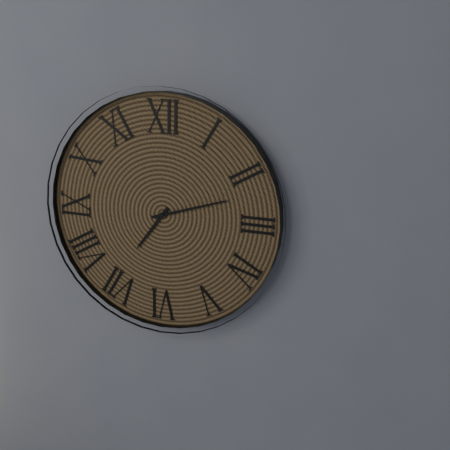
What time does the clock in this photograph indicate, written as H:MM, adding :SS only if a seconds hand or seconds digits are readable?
7:12
